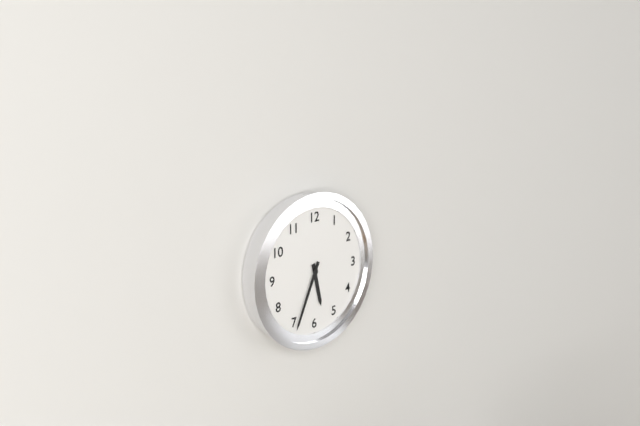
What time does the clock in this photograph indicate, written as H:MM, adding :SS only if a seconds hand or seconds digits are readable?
5:34
